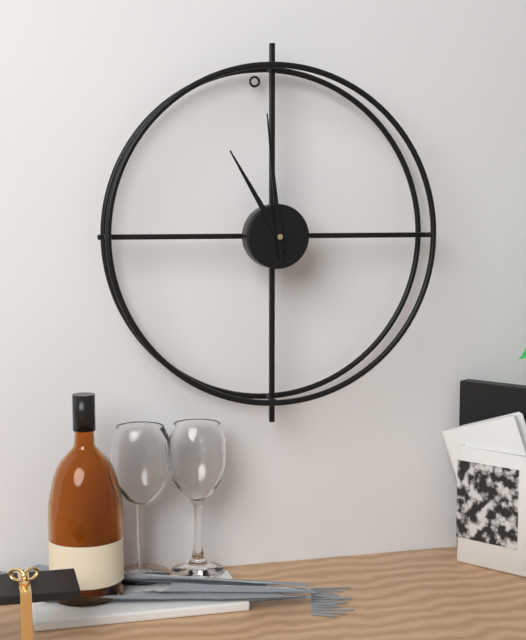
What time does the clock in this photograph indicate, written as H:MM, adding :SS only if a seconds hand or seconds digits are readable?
10:59
